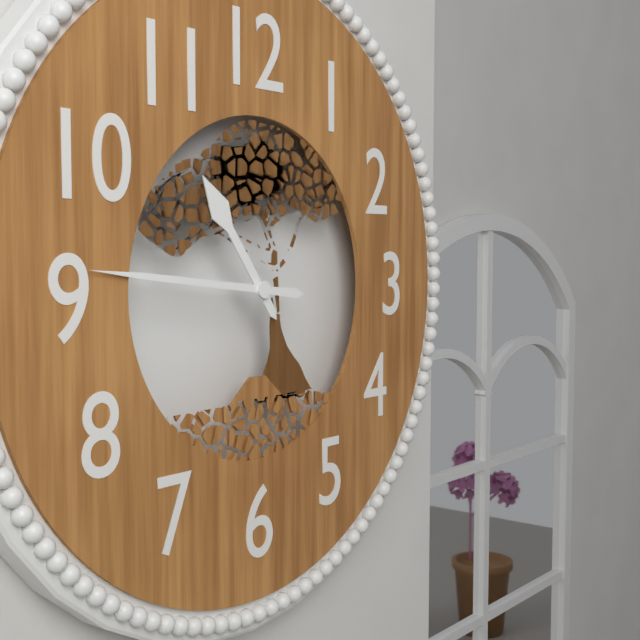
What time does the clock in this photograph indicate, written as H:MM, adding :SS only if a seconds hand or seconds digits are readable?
10:46
